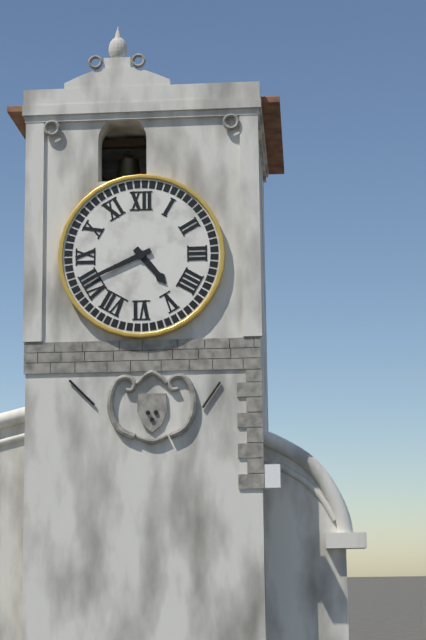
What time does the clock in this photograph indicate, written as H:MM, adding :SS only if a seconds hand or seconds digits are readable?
4:41
